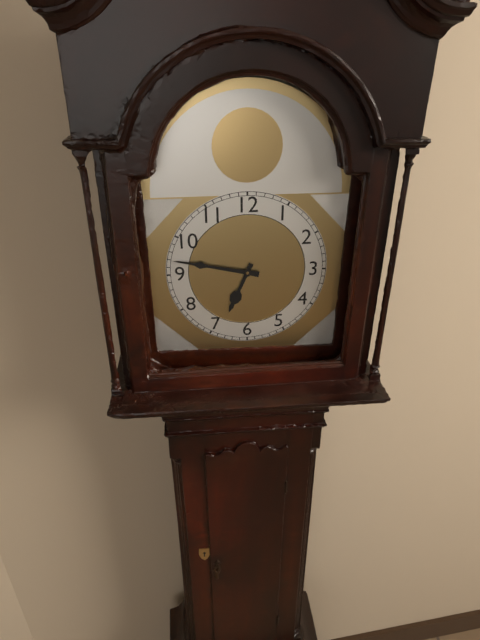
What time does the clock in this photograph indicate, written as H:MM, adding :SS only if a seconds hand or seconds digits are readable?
6:47
